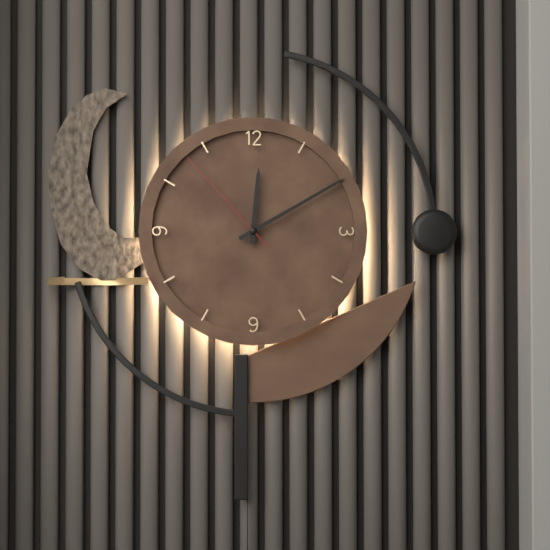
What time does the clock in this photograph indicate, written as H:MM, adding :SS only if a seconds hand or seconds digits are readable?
12:10:53
